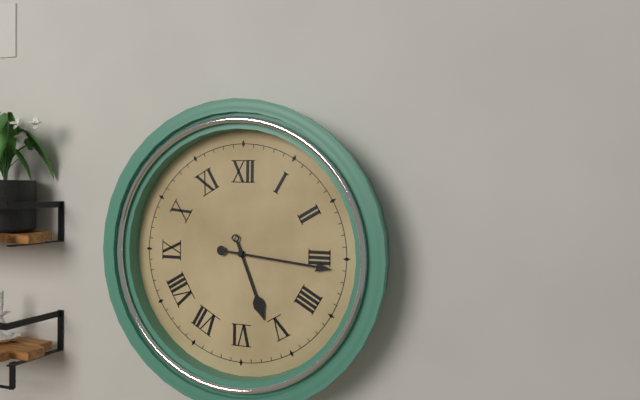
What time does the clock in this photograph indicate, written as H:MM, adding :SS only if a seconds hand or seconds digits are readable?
5:16
